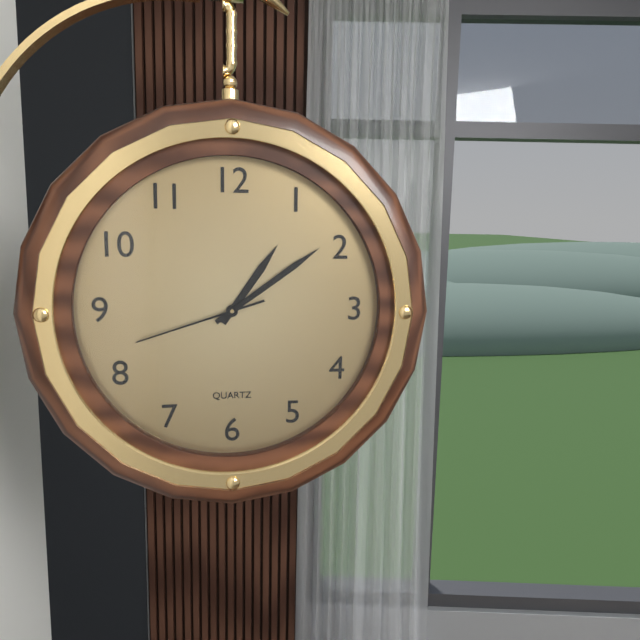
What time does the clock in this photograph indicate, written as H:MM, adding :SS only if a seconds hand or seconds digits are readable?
1:09:42
